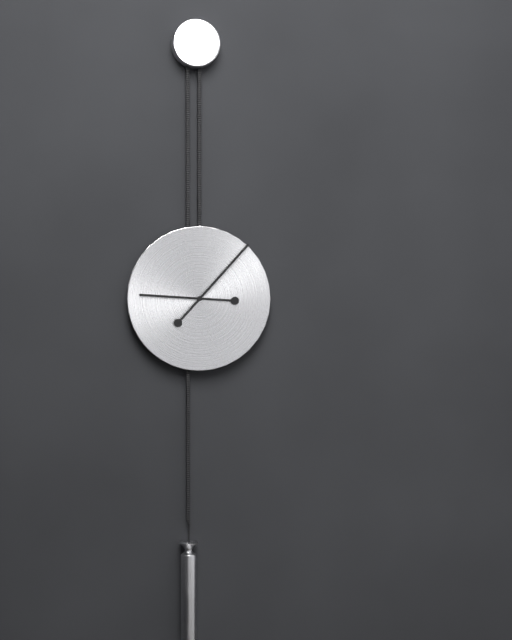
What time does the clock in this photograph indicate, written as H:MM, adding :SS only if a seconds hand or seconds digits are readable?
9:07
